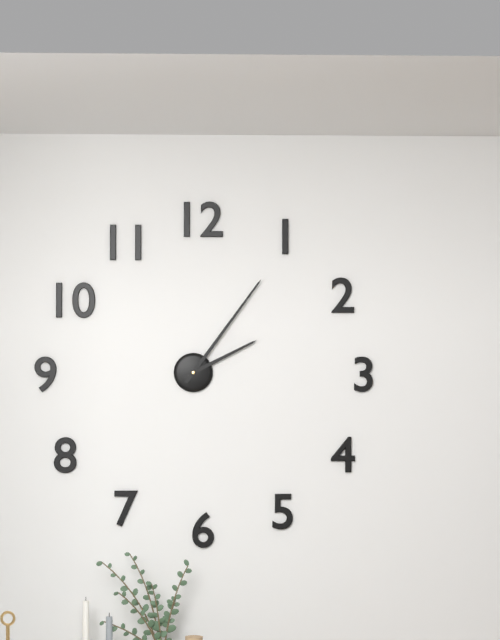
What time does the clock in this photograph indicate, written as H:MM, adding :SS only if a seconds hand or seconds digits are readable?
2:06
